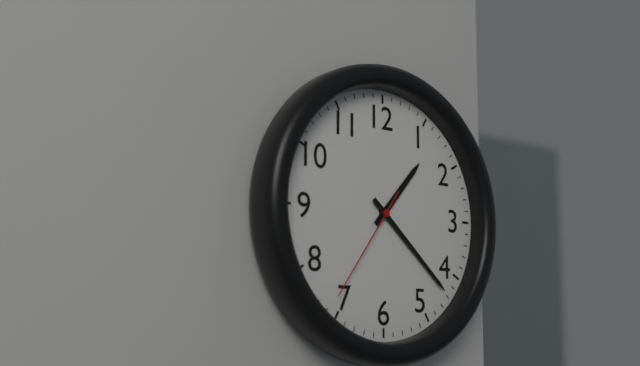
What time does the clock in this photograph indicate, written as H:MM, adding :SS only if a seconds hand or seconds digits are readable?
1:22:36
